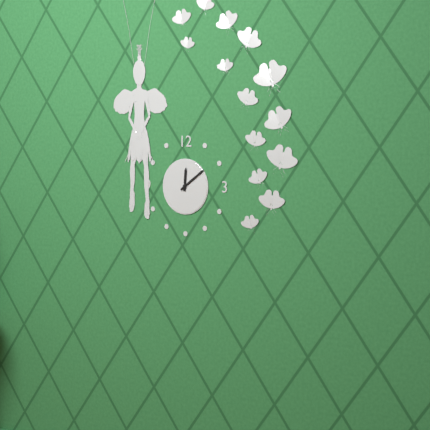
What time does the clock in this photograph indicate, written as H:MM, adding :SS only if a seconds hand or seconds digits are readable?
12:09
